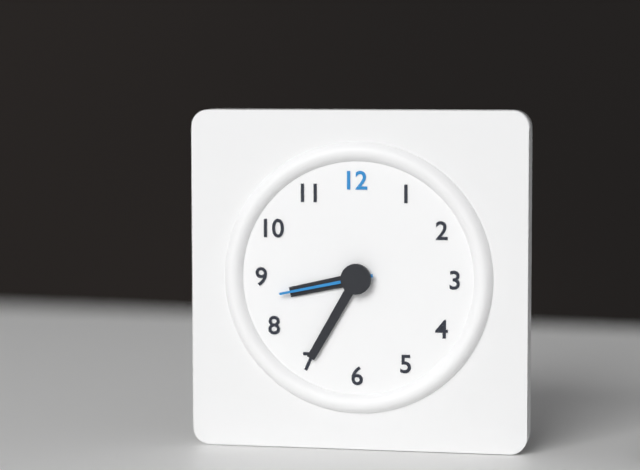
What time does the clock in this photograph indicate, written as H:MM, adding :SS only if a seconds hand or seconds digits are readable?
8:35:43
